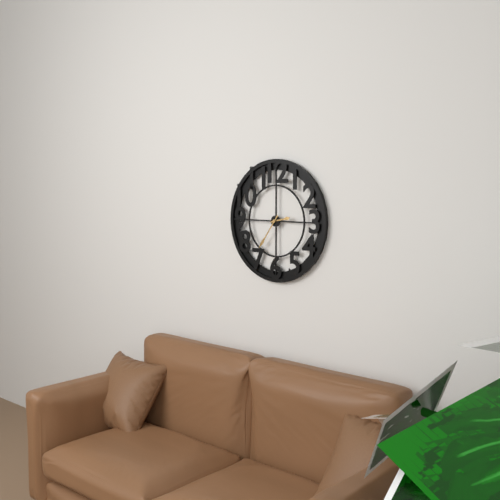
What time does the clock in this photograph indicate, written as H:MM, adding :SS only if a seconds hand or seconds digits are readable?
2:36
